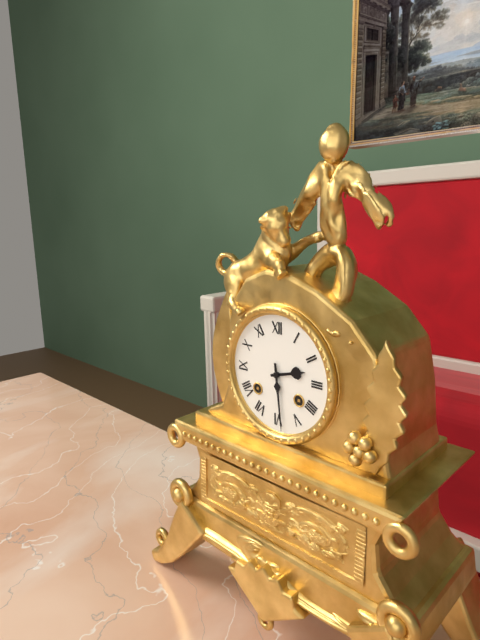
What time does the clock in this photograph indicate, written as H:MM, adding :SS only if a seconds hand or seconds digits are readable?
2:29
